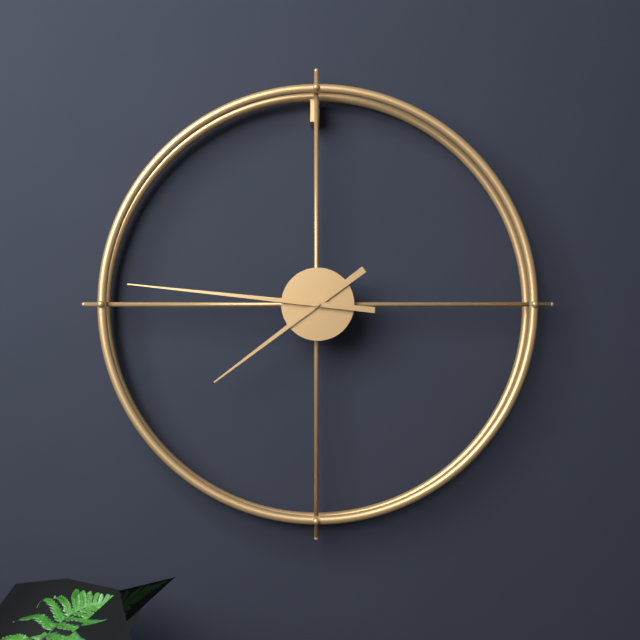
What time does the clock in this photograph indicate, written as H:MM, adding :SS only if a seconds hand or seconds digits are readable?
7:46
